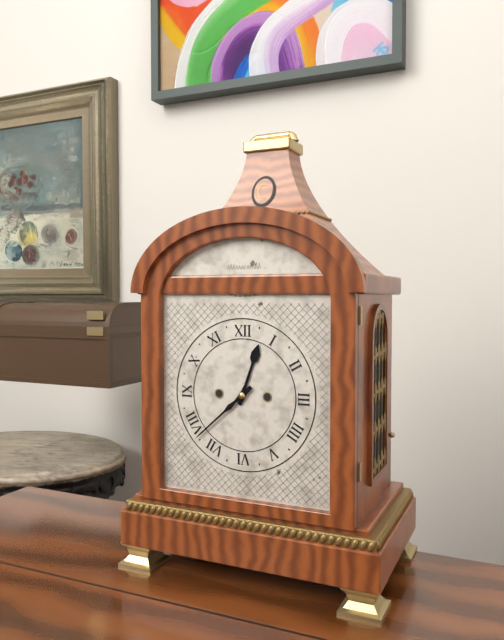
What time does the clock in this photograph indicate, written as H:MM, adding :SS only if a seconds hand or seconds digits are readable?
12:38
